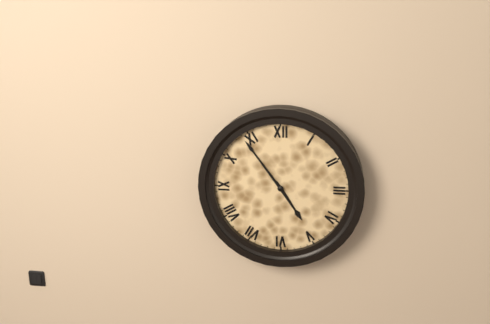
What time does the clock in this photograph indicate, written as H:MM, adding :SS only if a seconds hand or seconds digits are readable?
4:54
